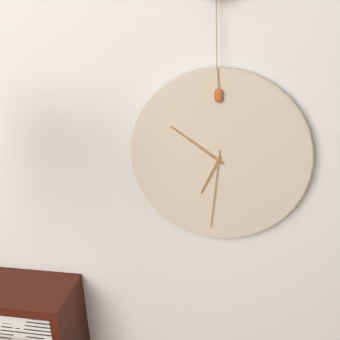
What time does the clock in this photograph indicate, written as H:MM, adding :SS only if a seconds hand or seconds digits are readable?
6:51:31
